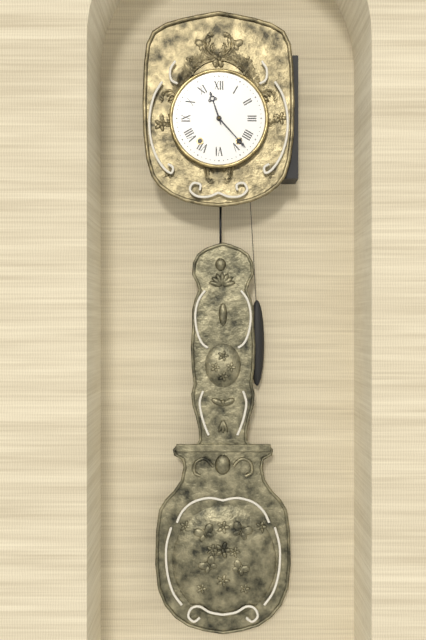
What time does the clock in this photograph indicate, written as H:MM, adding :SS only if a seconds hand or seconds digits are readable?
11:23
